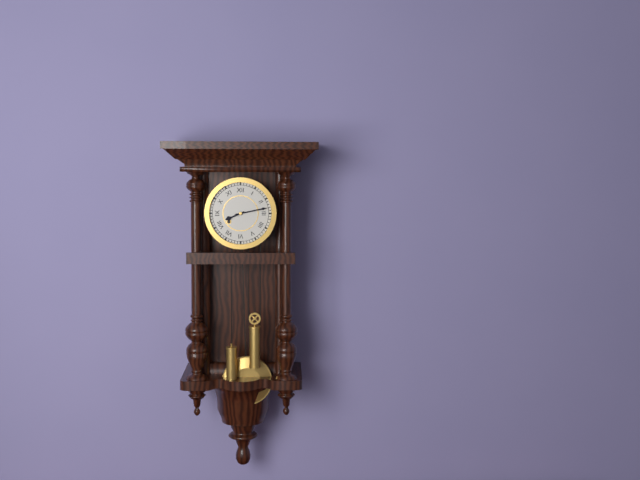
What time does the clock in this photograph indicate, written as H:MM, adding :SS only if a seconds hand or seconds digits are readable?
8:13
